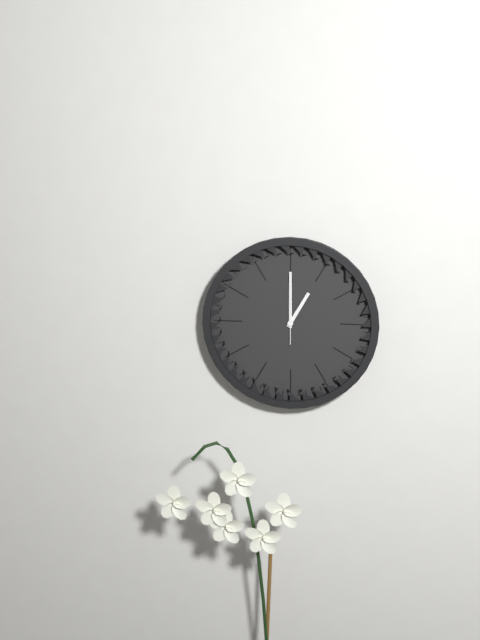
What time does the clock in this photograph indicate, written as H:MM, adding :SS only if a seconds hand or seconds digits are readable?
1:00:00
